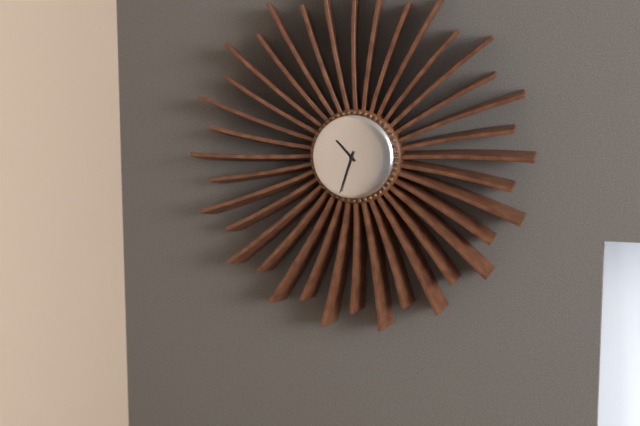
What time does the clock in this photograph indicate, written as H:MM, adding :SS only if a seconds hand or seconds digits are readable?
10:33
